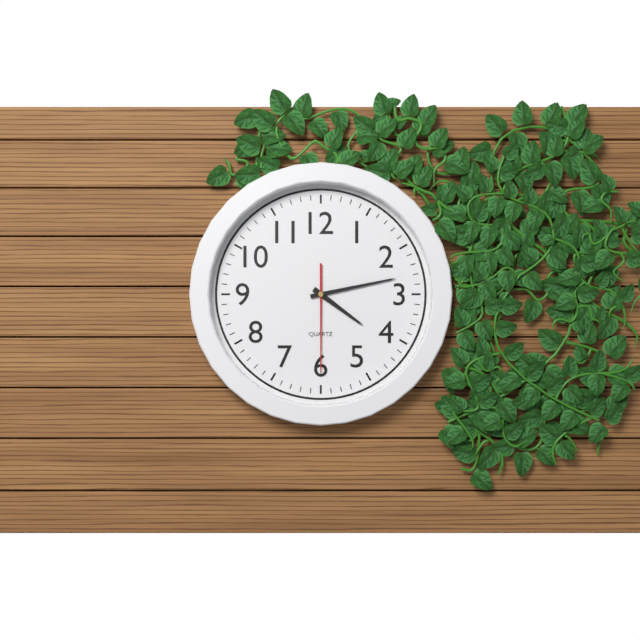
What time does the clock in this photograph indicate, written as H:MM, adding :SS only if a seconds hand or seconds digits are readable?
4:13:30
